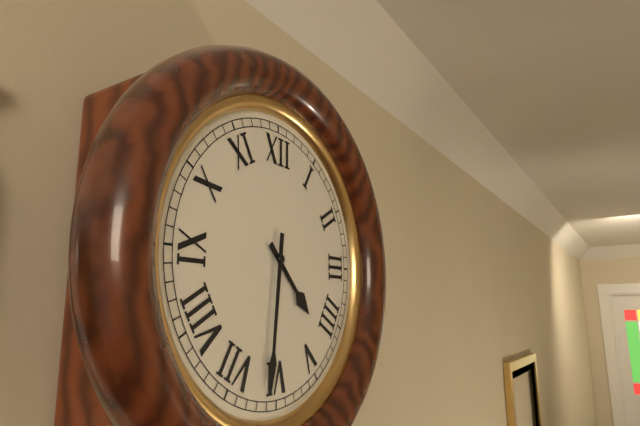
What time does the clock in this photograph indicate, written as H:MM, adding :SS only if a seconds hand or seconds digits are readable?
4:31
